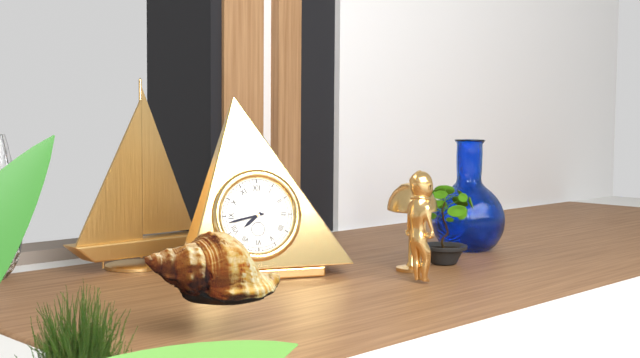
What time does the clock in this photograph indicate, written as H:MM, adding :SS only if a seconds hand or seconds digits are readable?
7:43
